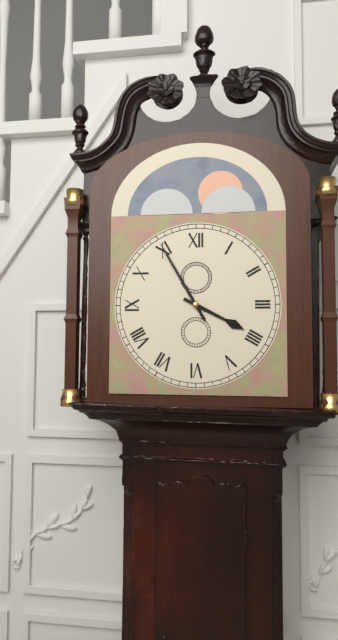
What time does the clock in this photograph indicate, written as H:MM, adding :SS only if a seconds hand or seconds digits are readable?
3:55
